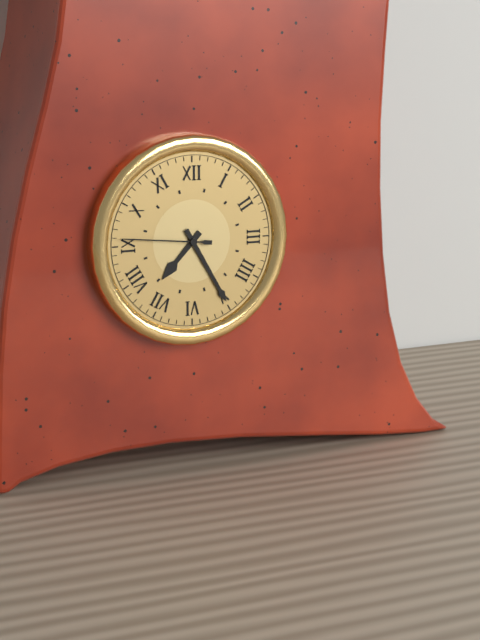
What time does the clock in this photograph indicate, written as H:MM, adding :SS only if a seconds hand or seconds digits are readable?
7:25:46
